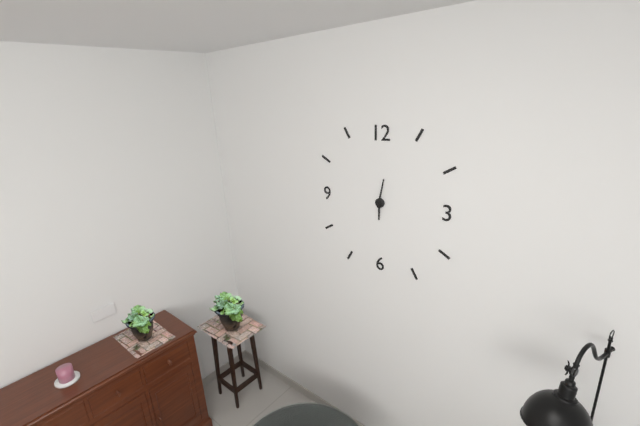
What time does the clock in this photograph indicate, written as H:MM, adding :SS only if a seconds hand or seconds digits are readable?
6:02
